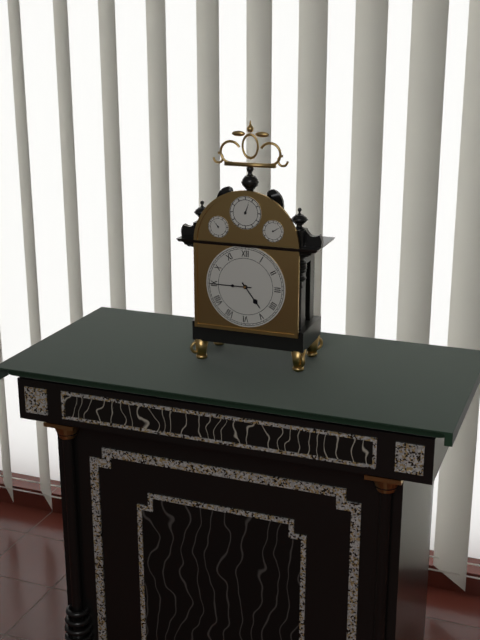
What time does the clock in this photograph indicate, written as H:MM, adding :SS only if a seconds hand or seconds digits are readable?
4:45
